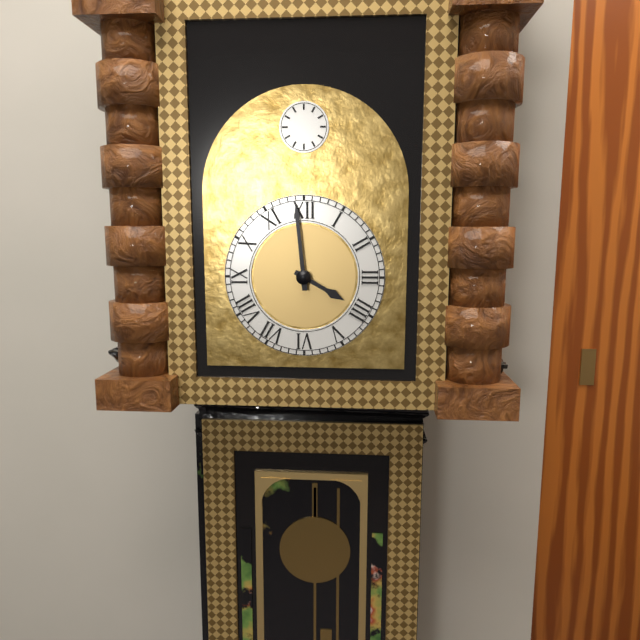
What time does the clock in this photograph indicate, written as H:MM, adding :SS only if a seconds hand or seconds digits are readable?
3:59
